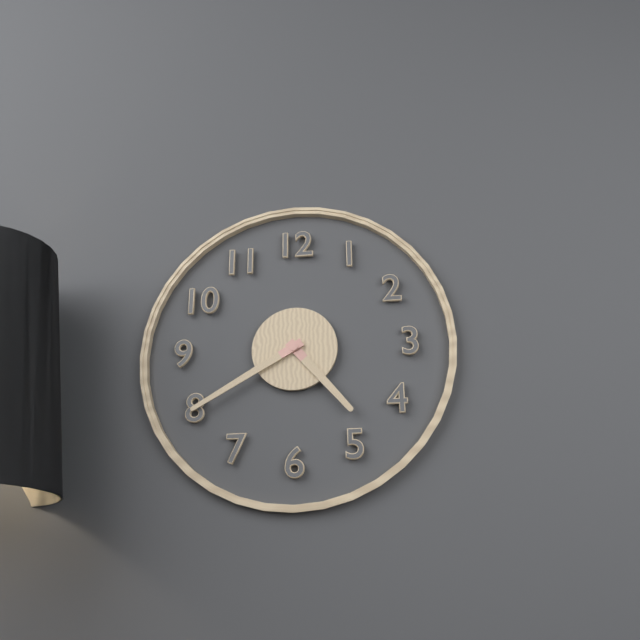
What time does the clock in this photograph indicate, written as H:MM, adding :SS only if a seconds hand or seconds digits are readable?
4:40
